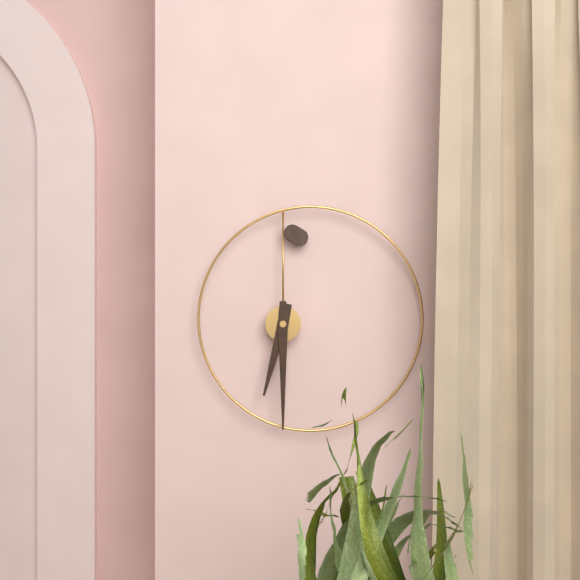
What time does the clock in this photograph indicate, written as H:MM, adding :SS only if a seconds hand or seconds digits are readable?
6:30
